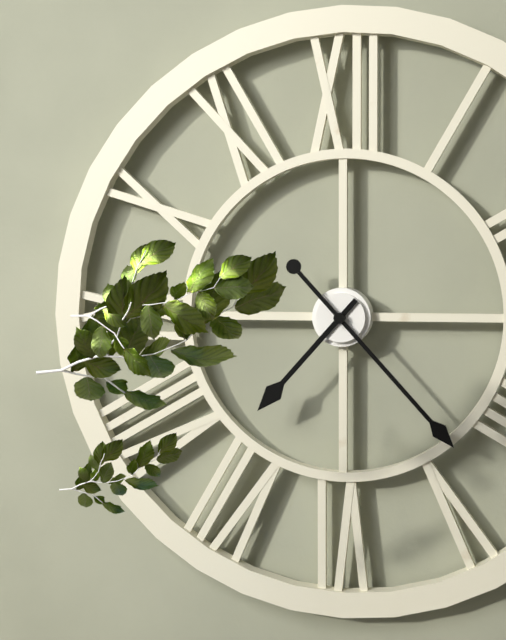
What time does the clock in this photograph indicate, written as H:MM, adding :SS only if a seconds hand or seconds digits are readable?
7:23
